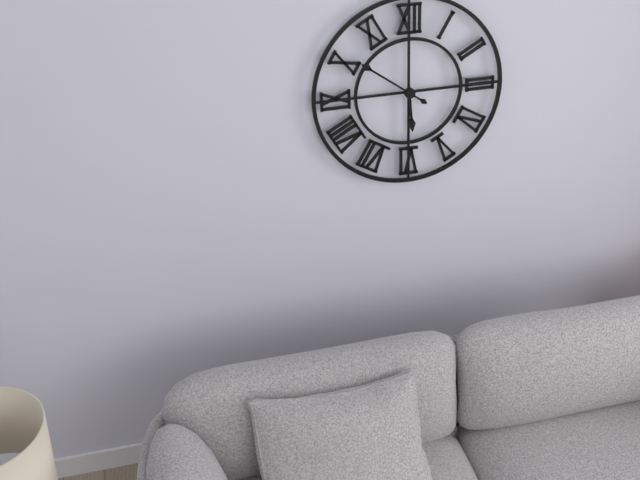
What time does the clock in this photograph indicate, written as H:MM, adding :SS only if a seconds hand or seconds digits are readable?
5:51
